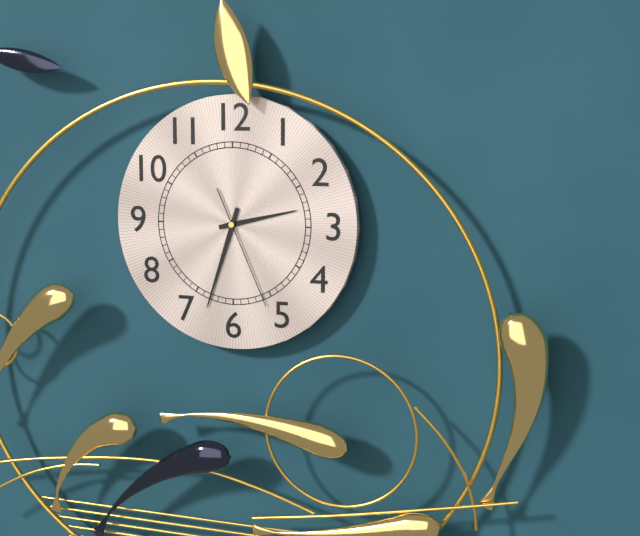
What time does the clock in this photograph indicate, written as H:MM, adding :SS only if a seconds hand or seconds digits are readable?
2:33:26
